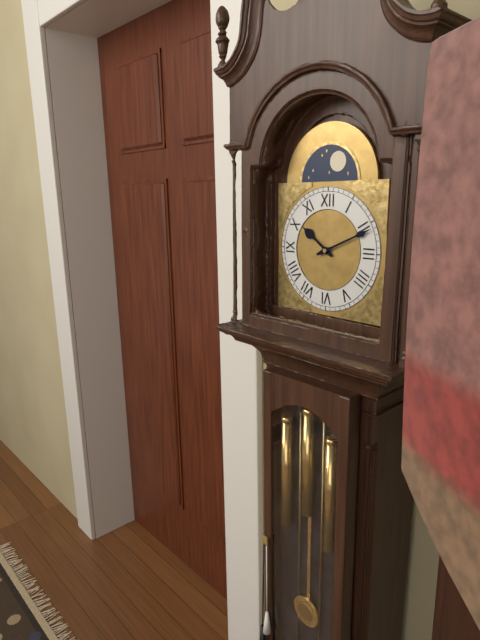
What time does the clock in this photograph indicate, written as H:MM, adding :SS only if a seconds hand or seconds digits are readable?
10:11
